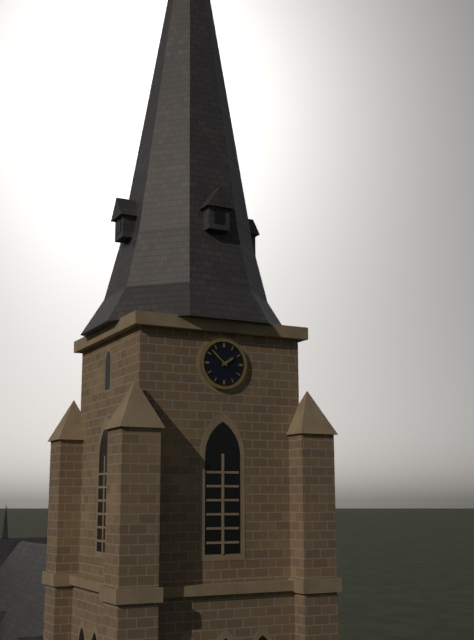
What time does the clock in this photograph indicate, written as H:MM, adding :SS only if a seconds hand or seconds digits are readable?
1:52
